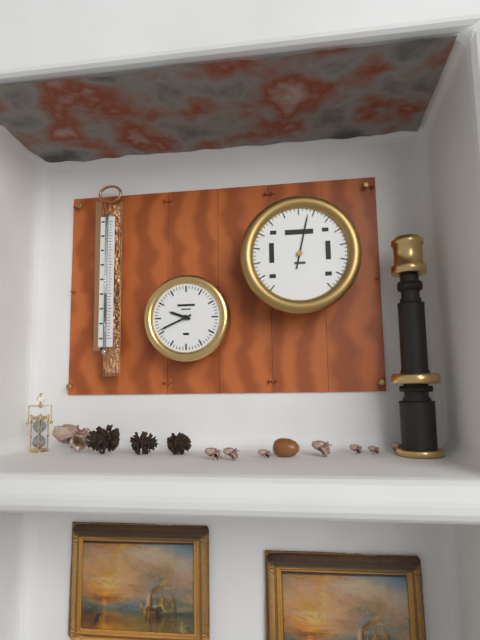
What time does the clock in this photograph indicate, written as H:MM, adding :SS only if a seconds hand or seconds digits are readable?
9:41
